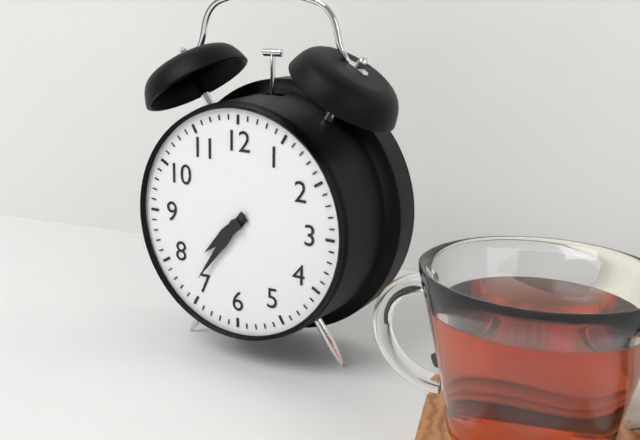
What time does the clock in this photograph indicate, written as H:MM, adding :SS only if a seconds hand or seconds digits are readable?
7:36
